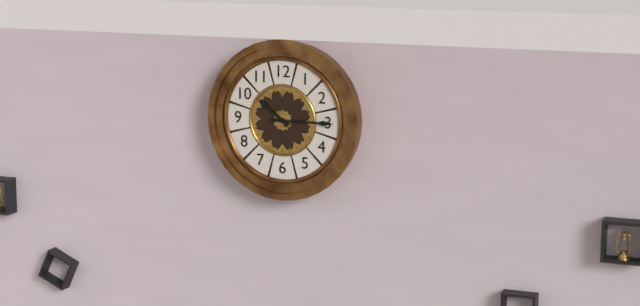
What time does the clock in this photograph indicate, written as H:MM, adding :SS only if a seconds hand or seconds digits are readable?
10:15
